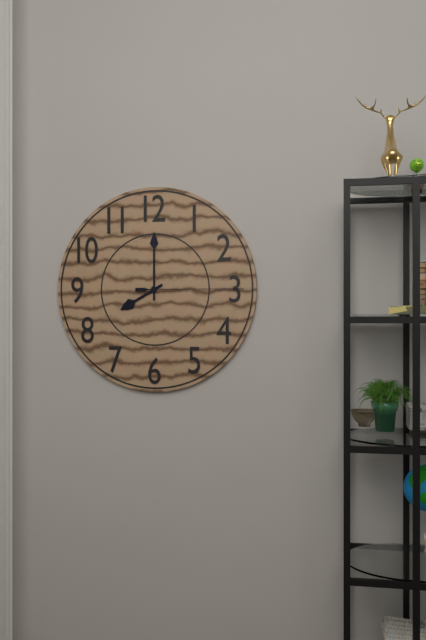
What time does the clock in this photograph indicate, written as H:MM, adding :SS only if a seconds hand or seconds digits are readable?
8:00:15
